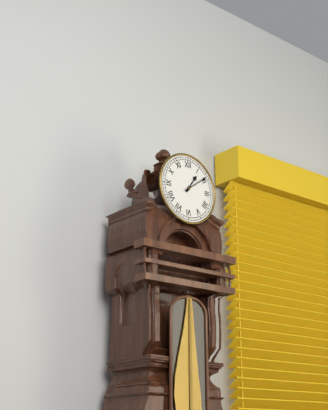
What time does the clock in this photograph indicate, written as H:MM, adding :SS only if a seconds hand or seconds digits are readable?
1:09
